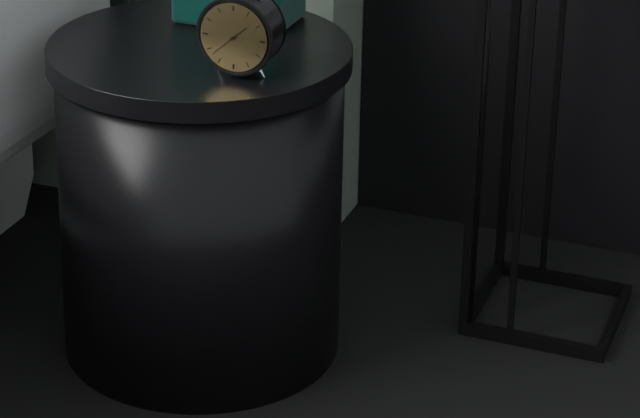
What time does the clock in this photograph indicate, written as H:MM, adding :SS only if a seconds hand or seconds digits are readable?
1:38
